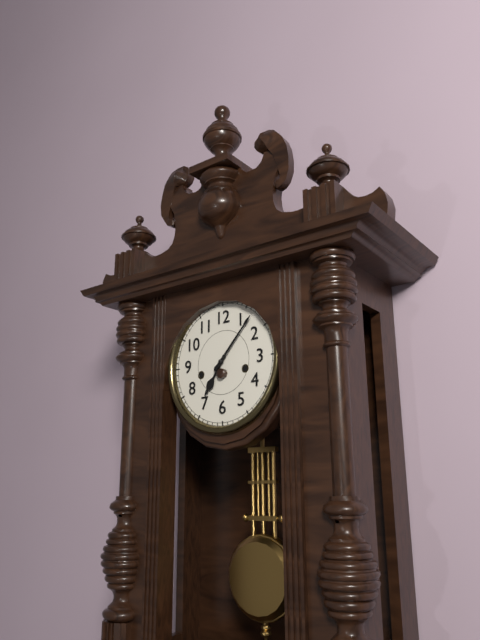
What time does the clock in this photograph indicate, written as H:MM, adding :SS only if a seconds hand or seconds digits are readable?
7:07
